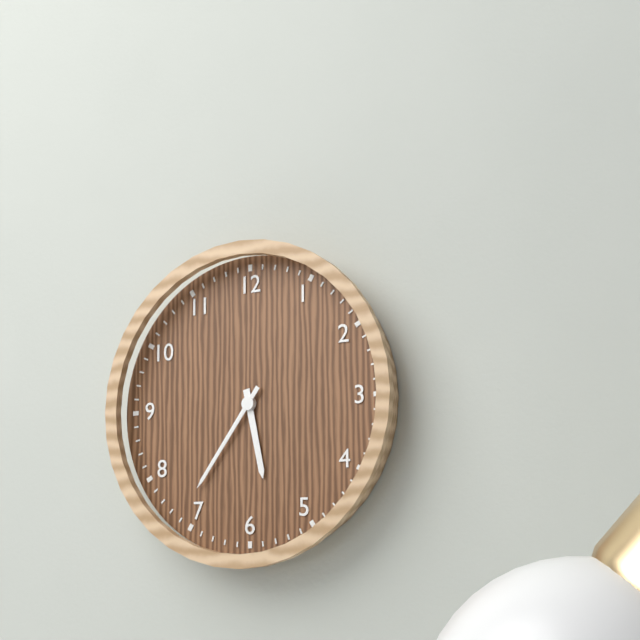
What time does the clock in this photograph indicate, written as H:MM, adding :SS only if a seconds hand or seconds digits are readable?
5:36
